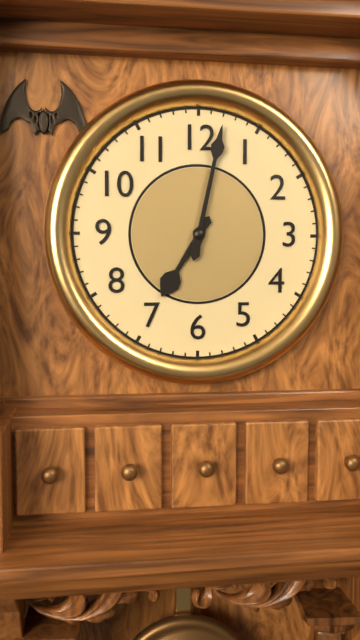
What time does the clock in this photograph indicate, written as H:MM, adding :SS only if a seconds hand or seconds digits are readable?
7:02
